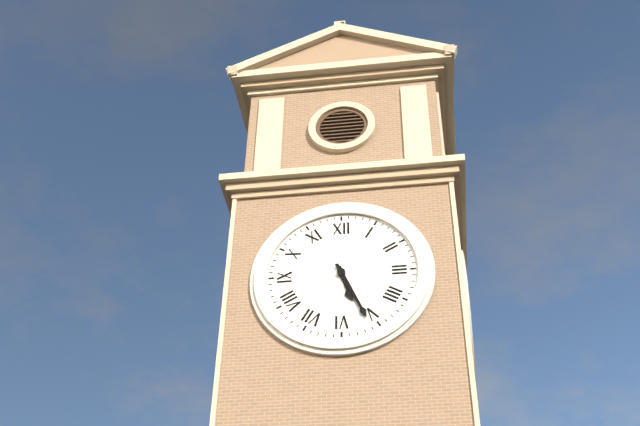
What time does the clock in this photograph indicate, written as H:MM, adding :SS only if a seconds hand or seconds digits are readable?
5:26
